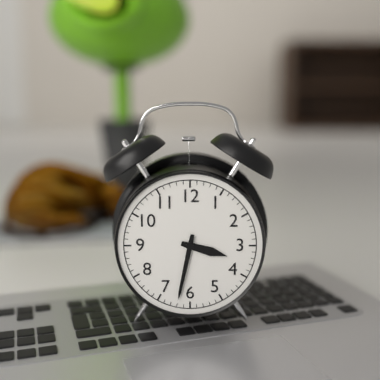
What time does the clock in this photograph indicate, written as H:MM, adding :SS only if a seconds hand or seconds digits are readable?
3:32
